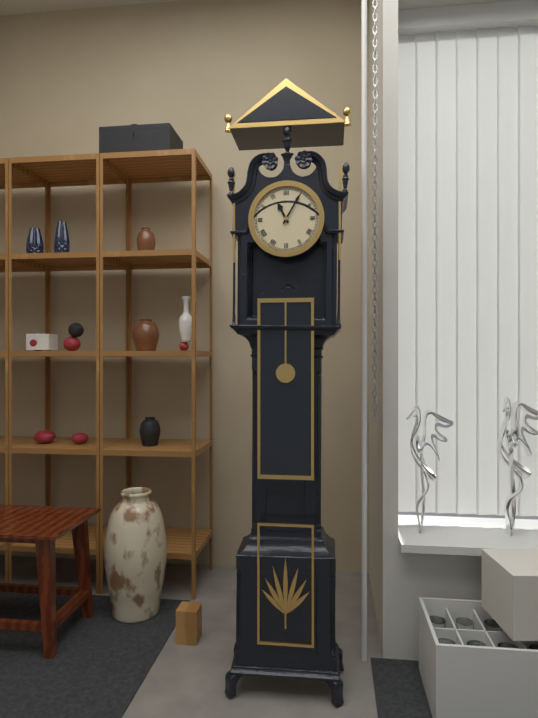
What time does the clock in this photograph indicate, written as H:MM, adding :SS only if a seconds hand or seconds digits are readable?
11:05
